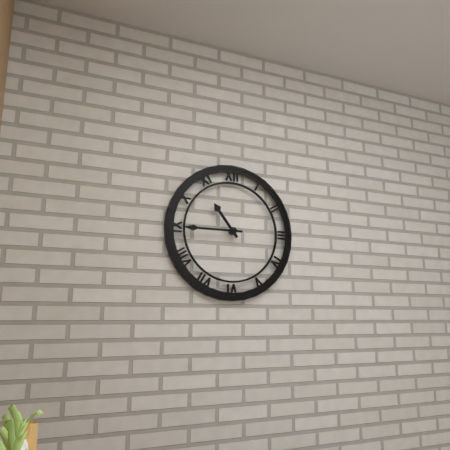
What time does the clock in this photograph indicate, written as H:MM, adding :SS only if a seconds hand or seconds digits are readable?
10:45
